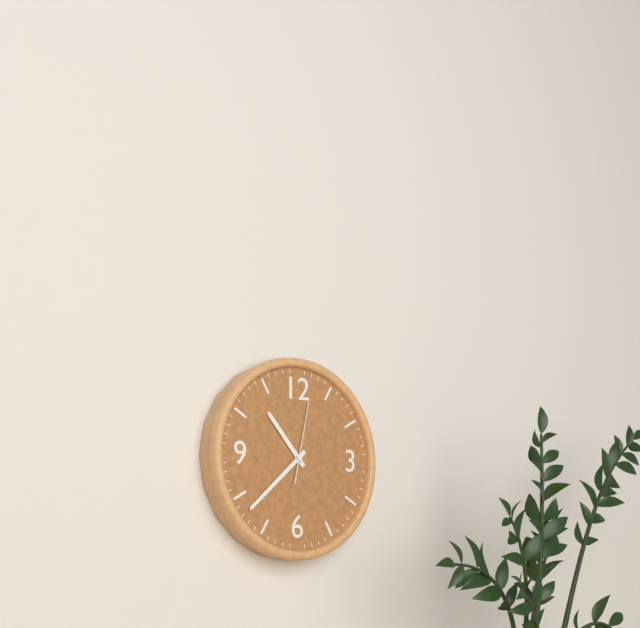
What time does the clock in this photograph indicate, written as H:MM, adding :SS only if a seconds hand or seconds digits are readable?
10:38:02
